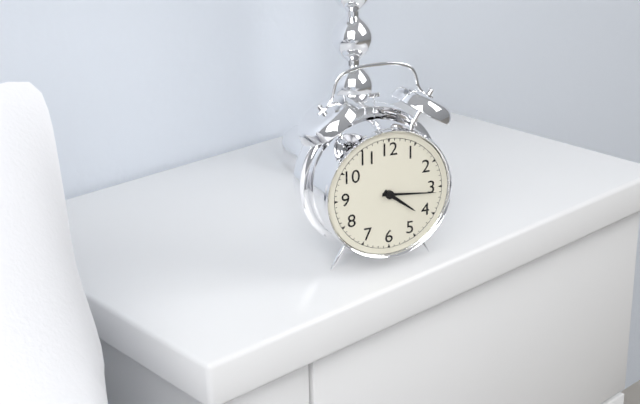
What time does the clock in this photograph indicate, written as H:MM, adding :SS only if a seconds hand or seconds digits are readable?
4:16
